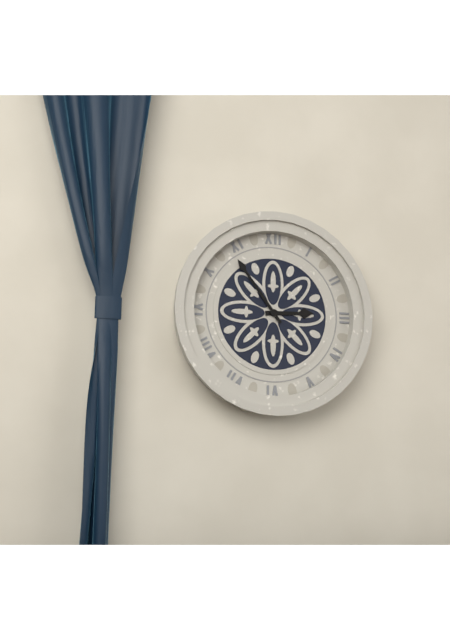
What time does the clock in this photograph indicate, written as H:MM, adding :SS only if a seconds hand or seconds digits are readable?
2:54
